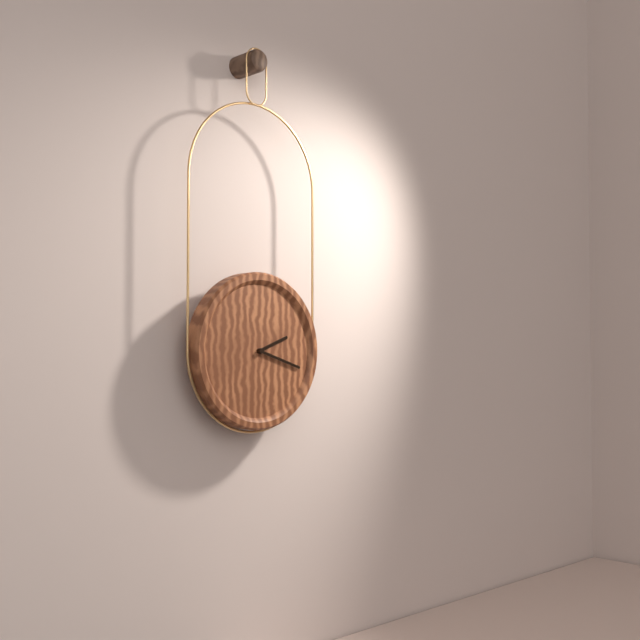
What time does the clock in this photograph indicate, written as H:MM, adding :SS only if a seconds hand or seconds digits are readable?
2:18
